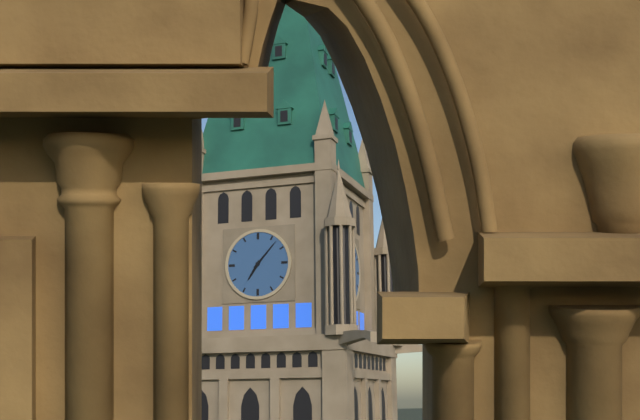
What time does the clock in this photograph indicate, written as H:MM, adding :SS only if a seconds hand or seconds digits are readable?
7:07
